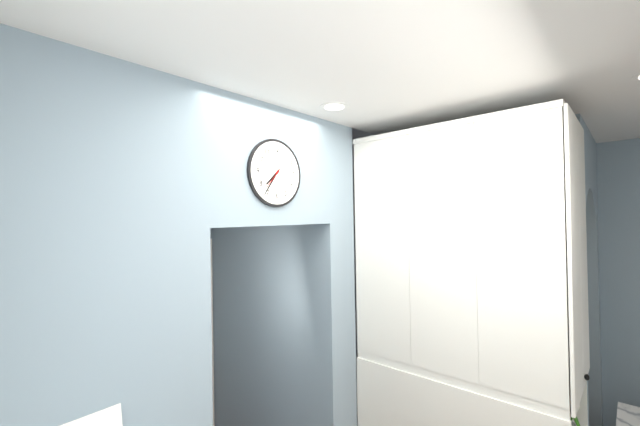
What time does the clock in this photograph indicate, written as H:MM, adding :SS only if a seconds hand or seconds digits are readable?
7:36
